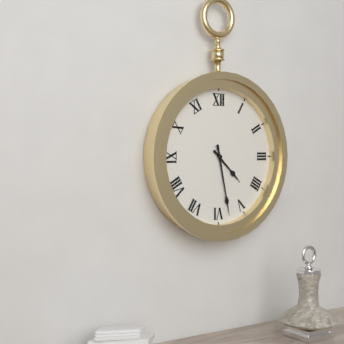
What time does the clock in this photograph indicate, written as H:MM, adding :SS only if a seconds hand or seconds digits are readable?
4:28
